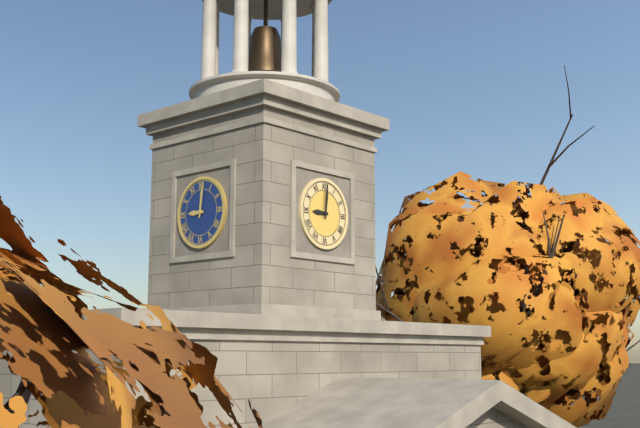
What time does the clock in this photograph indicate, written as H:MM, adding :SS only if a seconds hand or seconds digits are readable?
9:01
